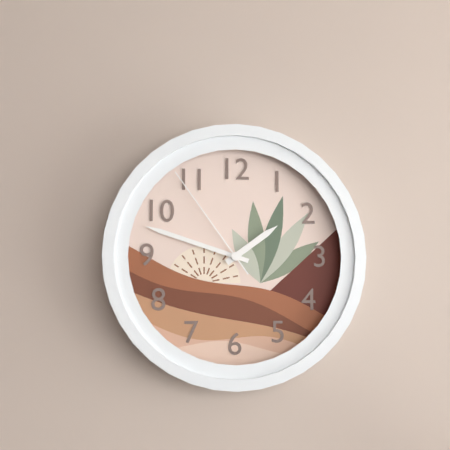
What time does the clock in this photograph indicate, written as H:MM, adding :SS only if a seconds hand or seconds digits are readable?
1:48:54
